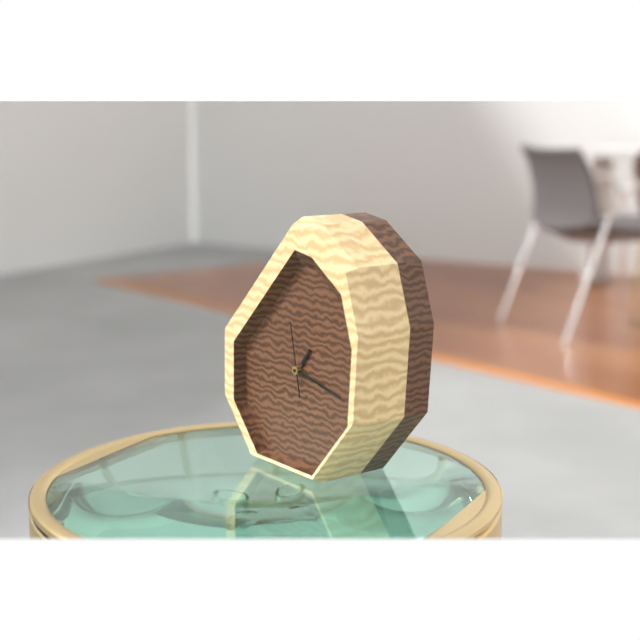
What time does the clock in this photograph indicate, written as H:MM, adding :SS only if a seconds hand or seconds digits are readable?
1:17:58
